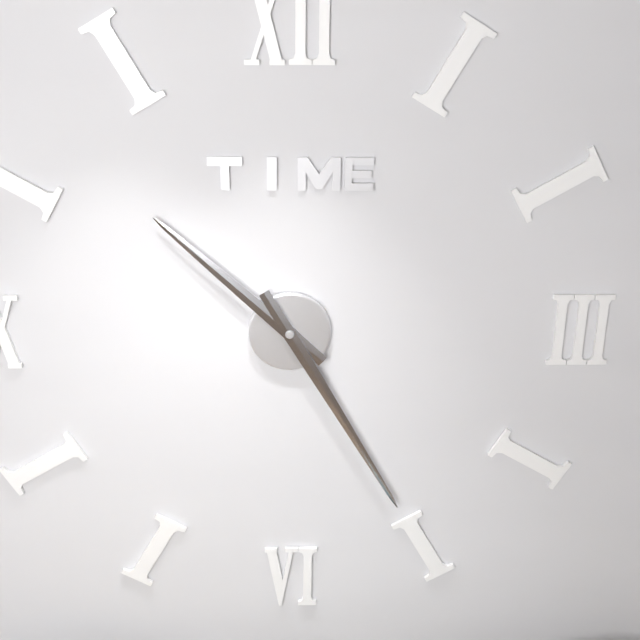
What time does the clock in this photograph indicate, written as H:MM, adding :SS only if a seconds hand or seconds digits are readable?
10:25
